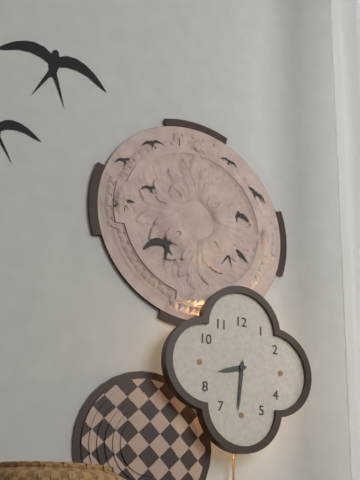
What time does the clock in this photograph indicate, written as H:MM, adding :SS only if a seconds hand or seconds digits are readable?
8:31
